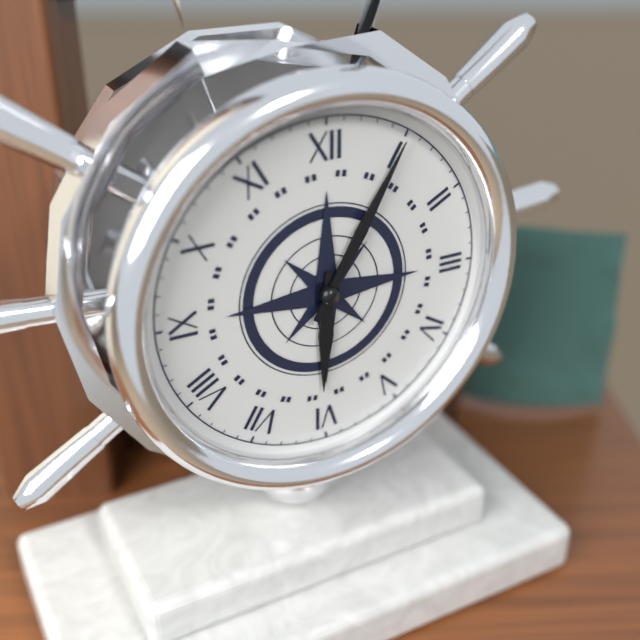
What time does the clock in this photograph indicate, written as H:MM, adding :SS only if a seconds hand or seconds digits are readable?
6:05
